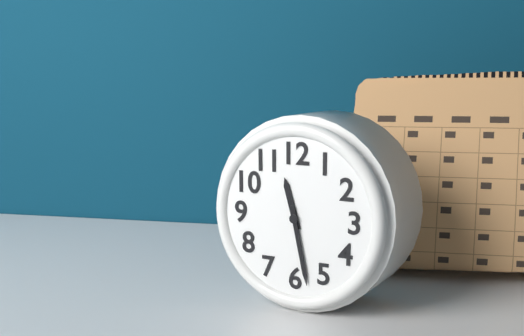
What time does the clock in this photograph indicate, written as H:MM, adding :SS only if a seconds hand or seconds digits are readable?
11:28
